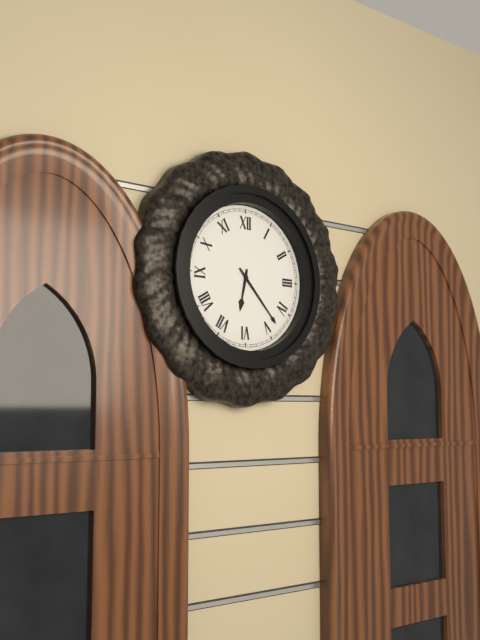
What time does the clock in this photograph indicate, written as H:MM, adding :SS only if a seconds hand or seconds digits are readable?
6:23
